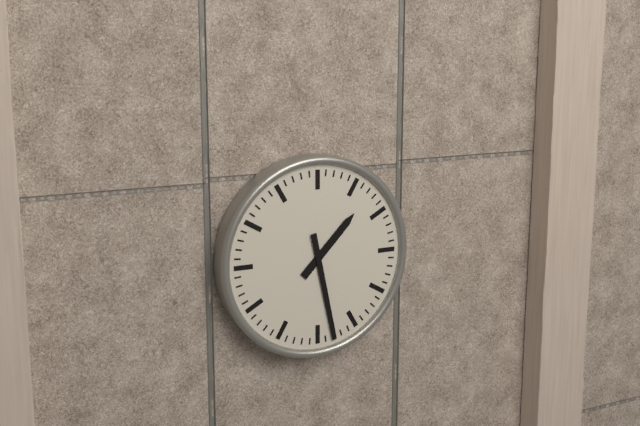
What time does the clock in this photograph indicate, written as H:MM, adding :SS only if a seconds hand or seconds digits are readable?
1:28
